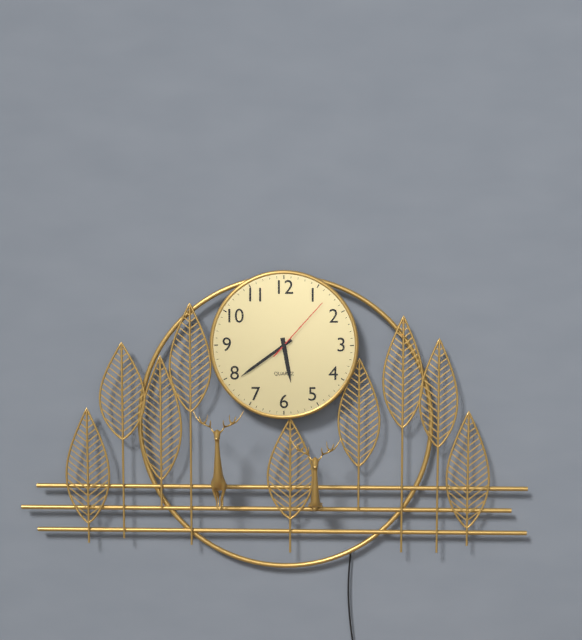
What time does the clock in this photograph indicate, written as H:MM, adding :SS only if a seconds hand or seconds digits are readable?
5:39:07
